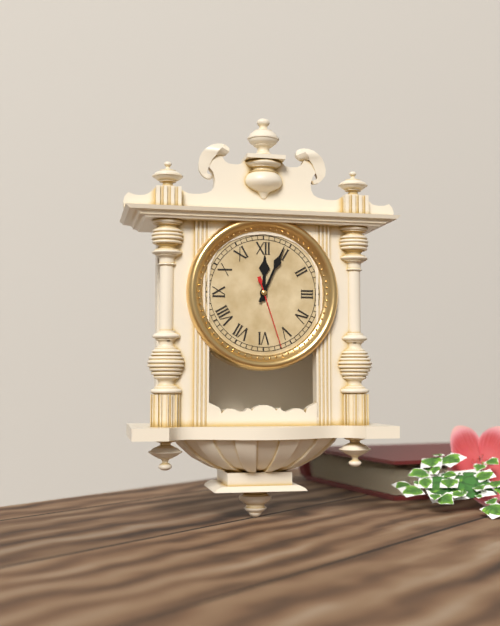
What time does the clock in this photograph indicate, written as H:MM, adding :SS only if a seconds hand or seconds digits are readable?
12:04:27
